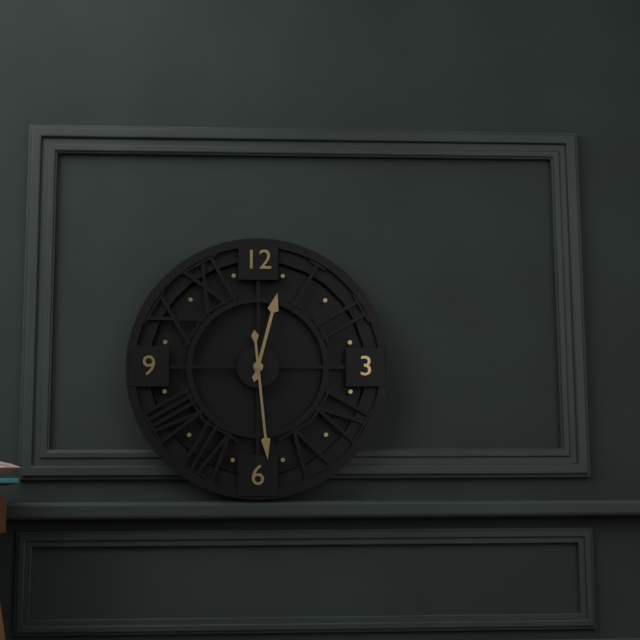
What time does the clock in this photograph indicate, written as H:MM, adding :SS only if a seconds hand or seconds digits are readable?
12:29
